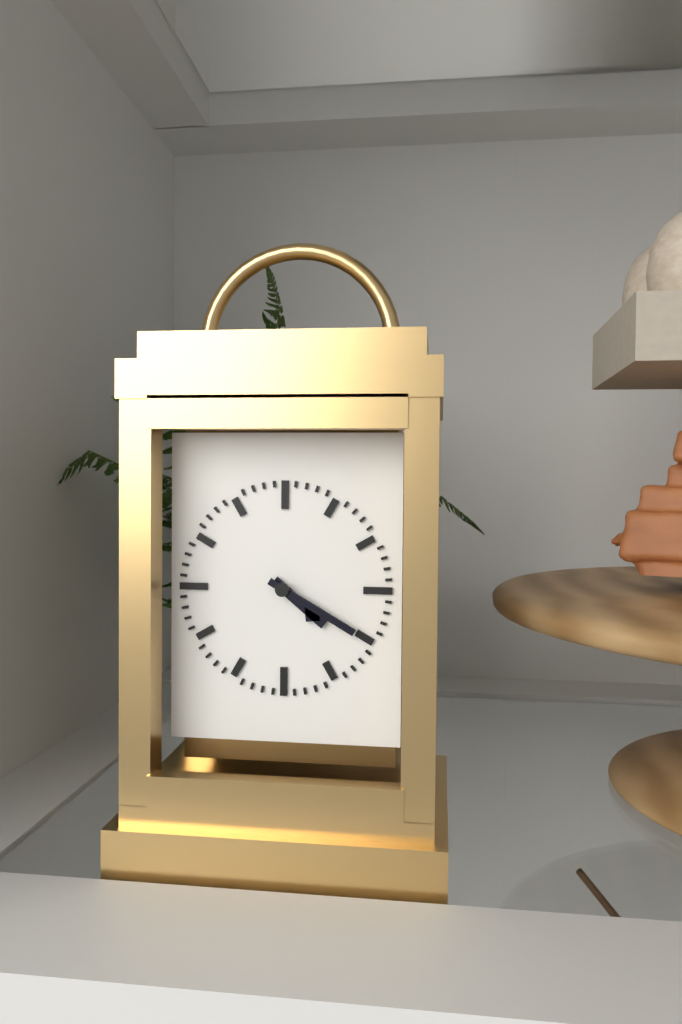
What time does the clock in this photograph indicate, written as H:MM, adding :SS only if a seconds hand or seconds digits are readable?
4:20
